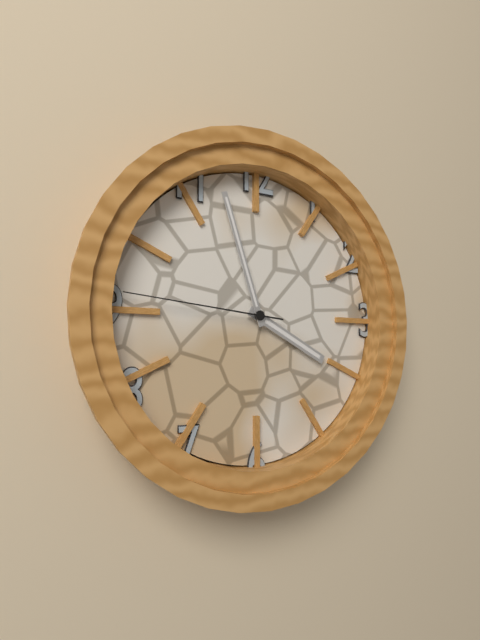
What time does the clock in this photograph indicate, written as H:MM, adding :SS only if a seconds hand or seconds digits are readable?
3:57:46
